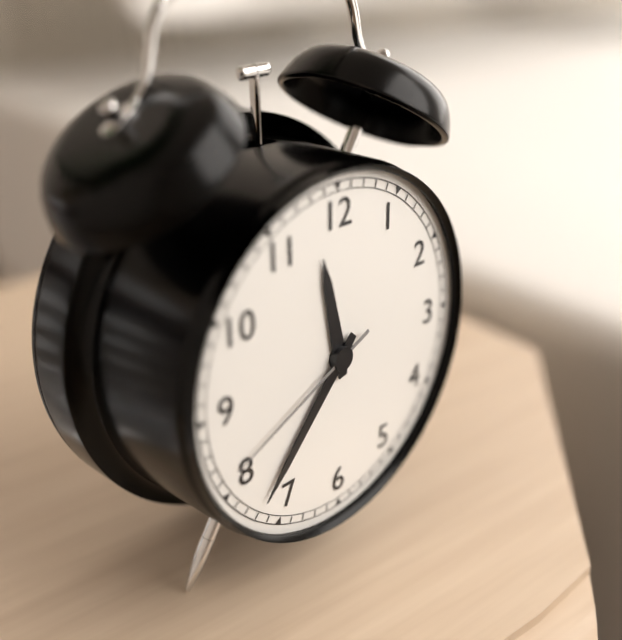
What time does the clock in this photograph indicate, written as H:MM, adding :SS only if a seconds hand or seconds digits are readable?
11:37:41
